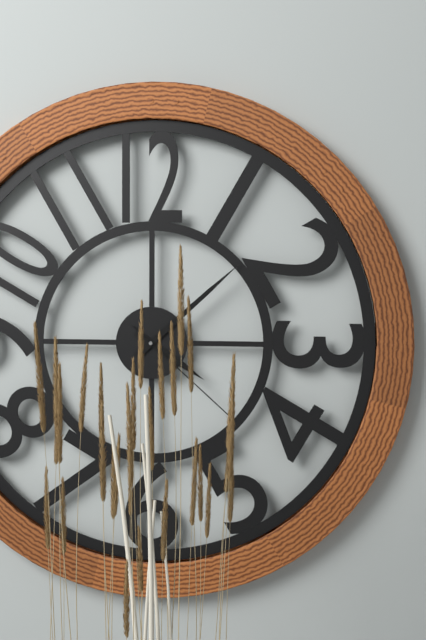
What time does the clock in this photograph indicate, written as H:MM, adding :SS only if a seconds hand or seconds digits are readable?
4:08:22
